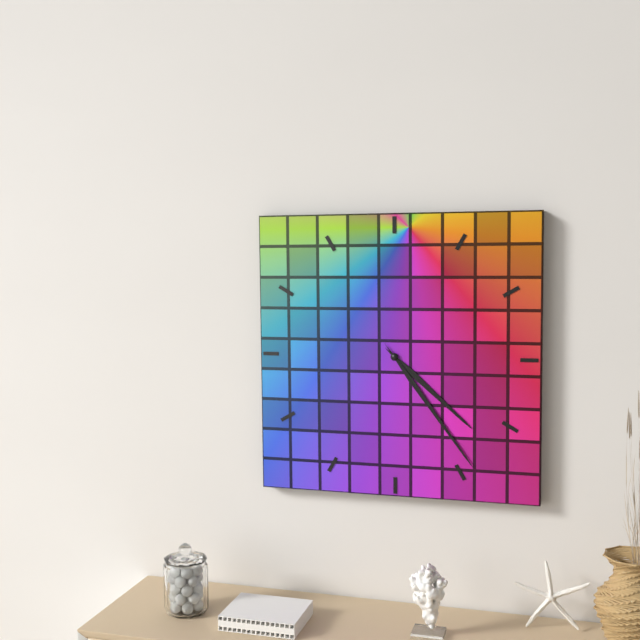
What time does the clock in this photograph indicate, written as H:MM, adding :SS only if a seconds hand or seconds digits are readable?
4:24
